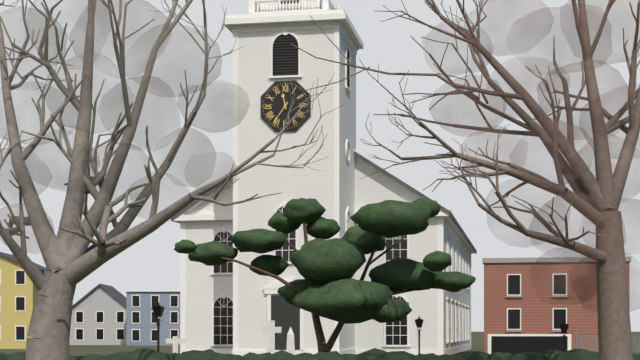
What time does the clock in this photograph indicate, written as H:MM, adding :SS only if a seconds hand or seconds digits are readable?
11:36
